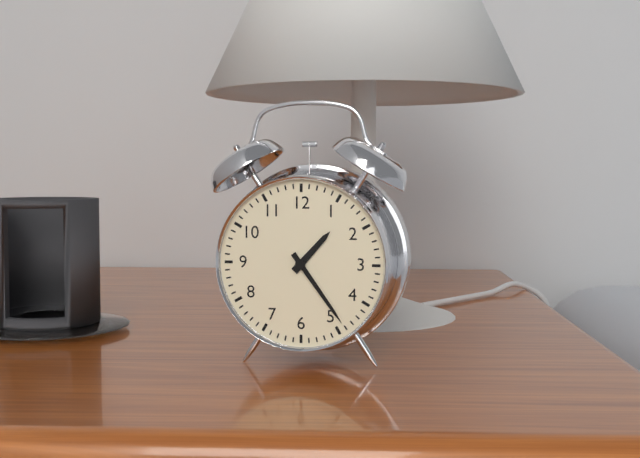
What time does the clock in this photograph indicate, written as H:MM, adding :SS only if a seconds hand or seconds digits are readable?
1:24
